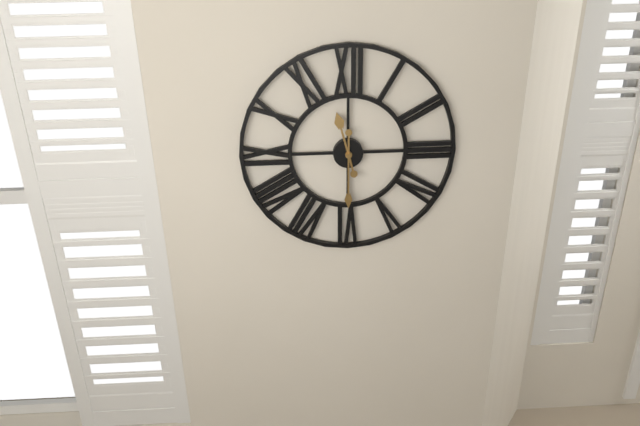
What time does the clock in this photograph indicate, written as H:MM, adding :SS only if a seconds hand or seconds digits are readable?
11:30
